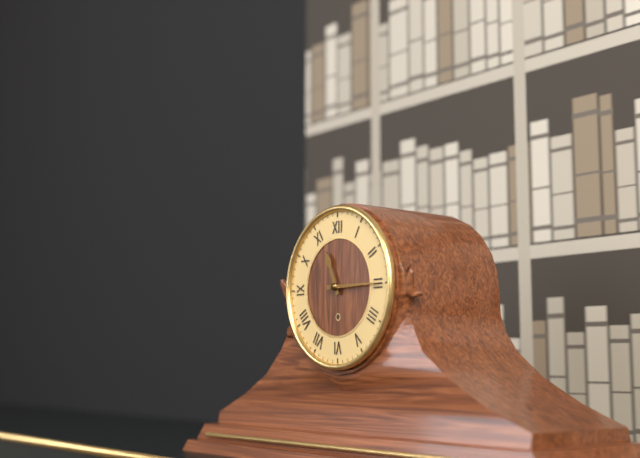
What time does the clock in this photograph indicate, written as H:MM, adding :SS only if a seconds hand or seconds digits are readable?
11:15
